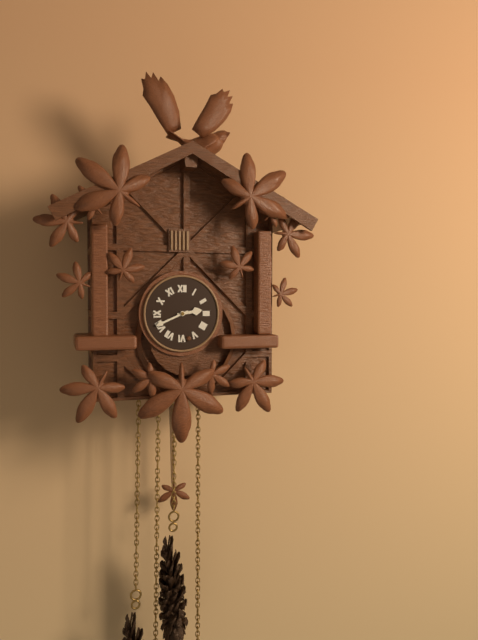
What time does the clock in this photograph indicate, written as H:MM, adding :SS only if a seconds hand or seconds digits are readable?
2:41
